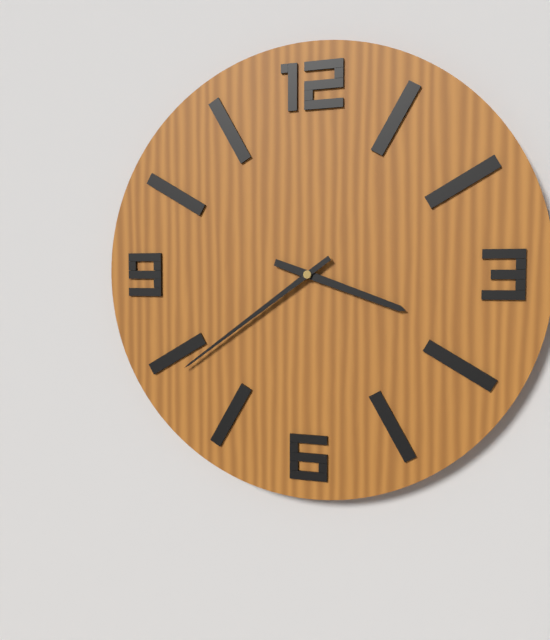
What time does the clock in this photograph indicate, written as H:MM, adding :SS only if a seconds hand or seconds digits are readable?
3:39
